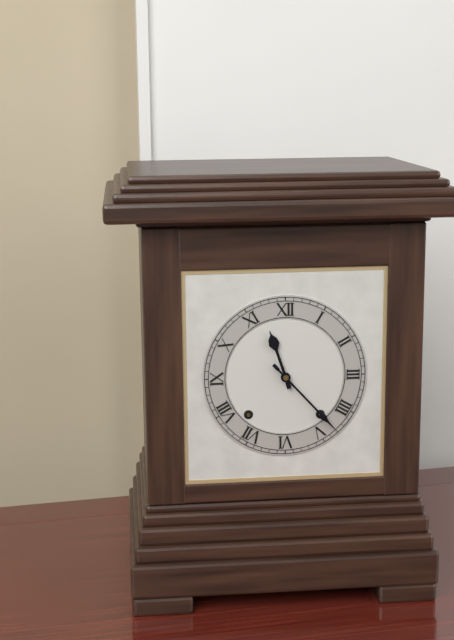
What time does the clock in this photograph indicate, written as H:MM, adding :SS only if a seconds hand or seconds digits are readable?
11:23
